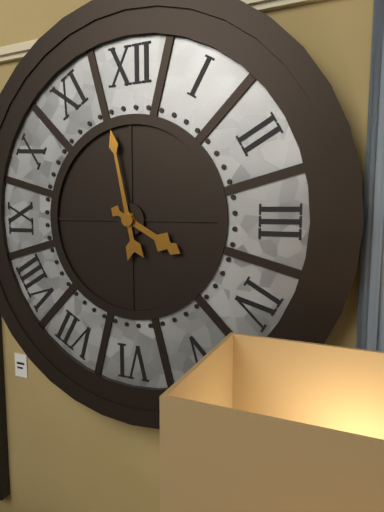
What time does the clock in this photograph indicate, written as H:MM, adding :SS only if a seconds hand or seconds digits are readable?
3:58
